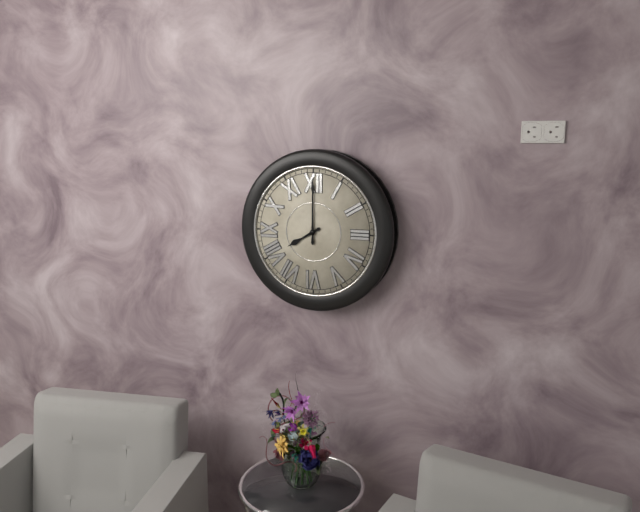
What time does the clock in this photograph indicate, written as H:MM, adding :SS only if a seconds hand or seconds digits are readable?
8:00
